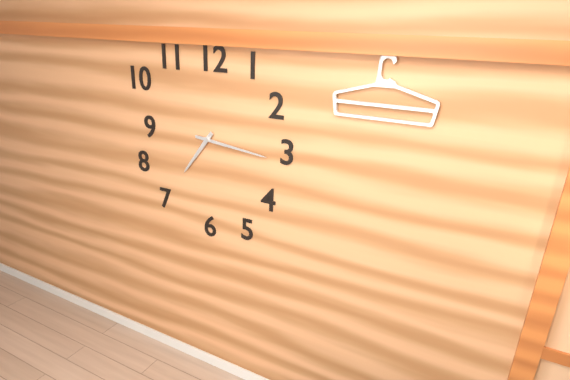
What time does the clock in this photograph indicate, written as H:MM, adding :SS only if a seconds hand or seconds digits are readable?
7:16
